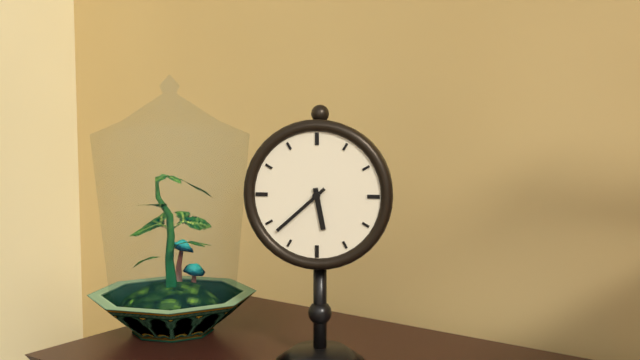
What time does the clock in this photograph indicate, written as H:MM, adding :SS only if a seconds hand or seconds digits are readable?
5:38
